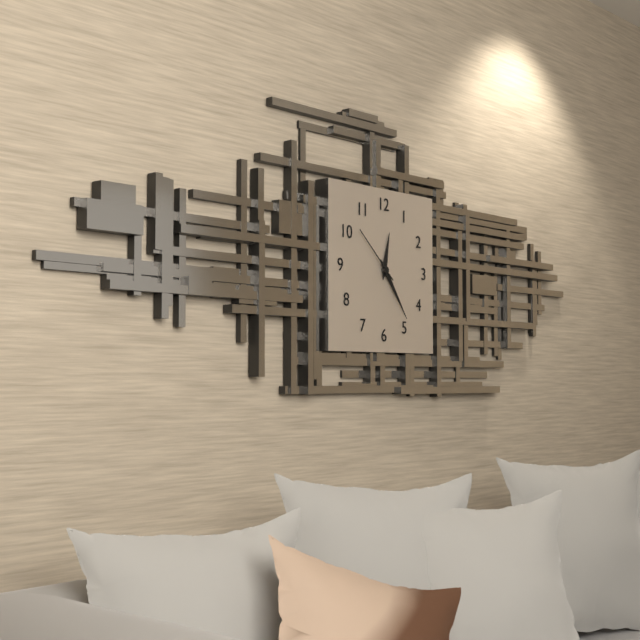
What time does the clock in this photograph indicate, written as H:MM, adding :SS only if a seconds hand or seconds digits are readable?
12:24:52
